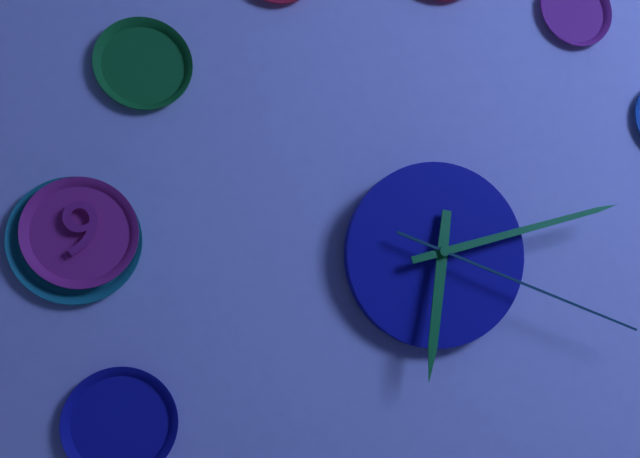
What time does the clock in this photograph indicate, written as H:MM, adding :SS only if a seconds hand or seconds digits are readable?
6:12:18
